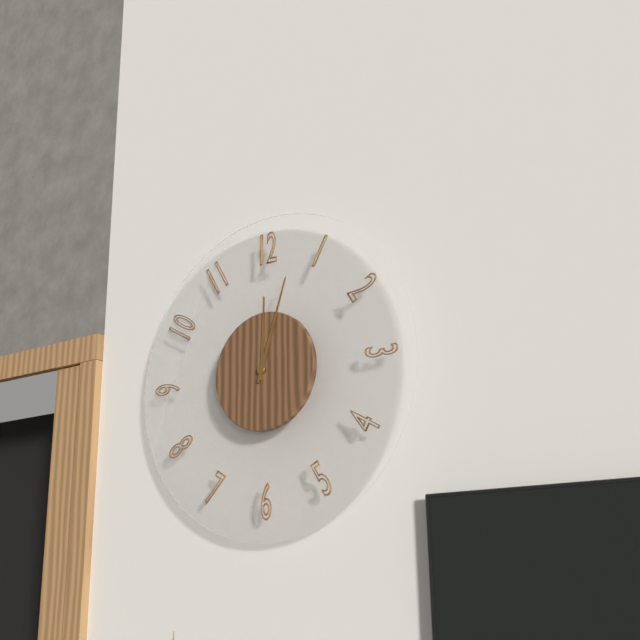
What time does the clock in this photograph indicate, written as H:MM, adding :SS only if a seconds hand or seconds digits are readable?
12:03
